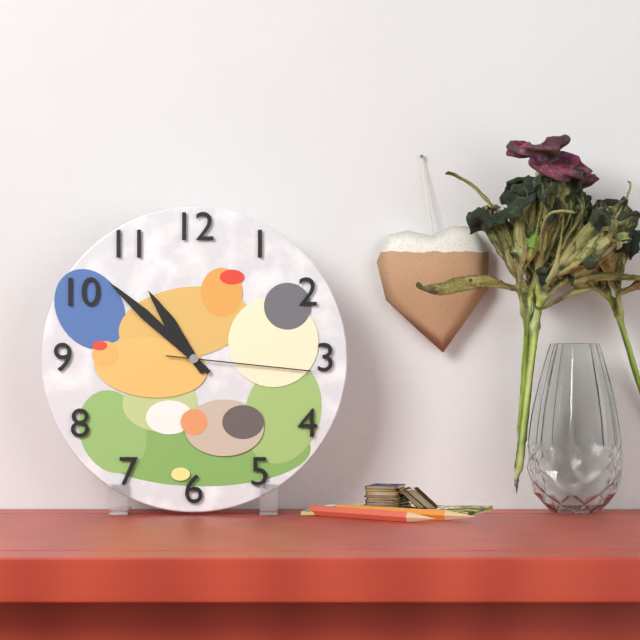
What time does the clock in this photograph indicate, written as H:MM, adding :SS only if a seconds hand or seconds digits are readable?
10:52:16
